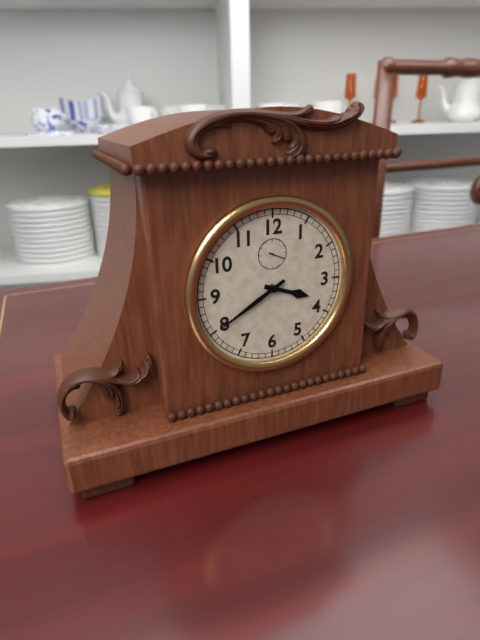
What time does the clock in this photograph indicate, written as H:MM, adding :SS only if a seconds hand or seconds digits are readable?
3:40
